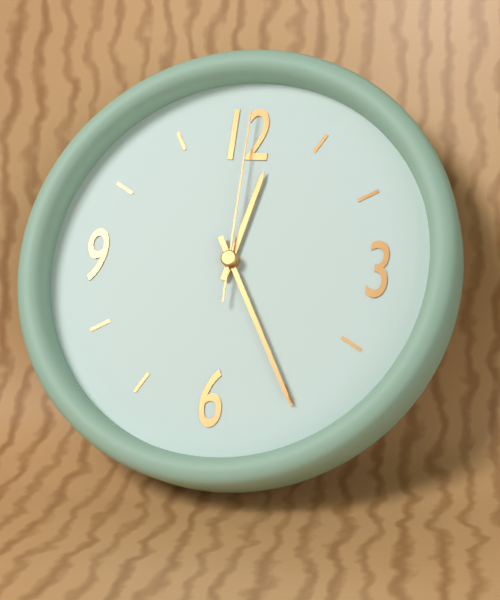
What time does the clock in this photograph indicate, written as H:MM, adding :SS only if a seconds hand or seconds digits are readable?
12:25:00
